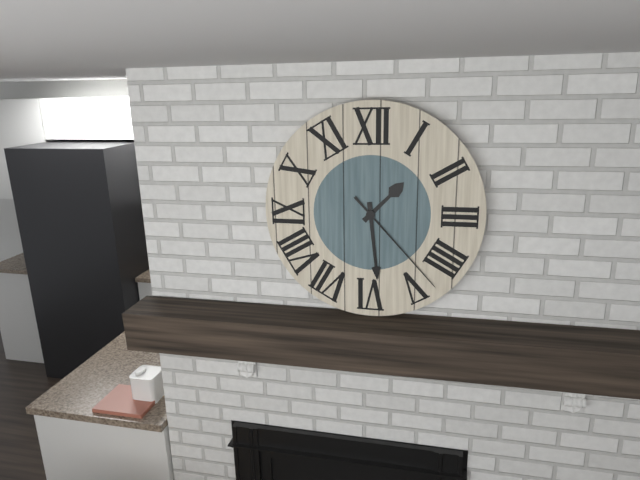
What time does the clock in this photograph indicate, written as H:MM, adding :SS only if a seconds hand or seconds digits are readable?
1:29:23
